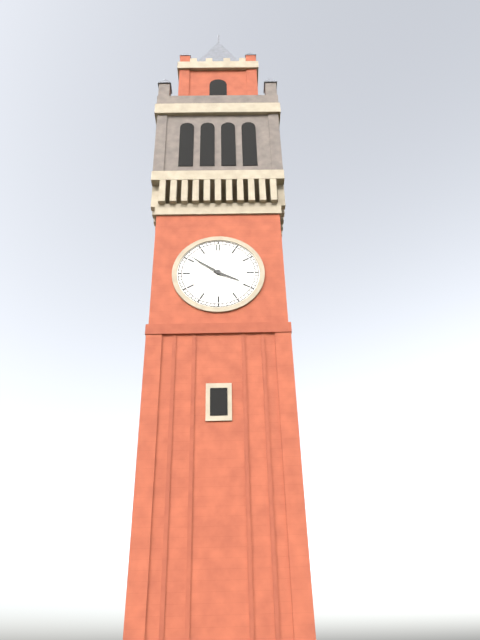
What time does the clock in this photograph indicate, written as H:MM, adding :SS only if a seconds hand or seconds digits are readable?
3:51
